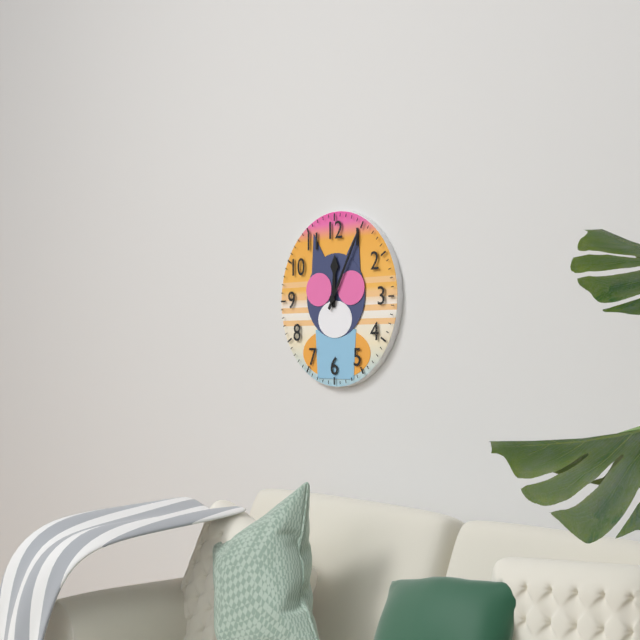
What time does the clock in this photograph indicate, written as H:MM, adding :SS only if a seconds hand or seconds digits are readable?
12:05
